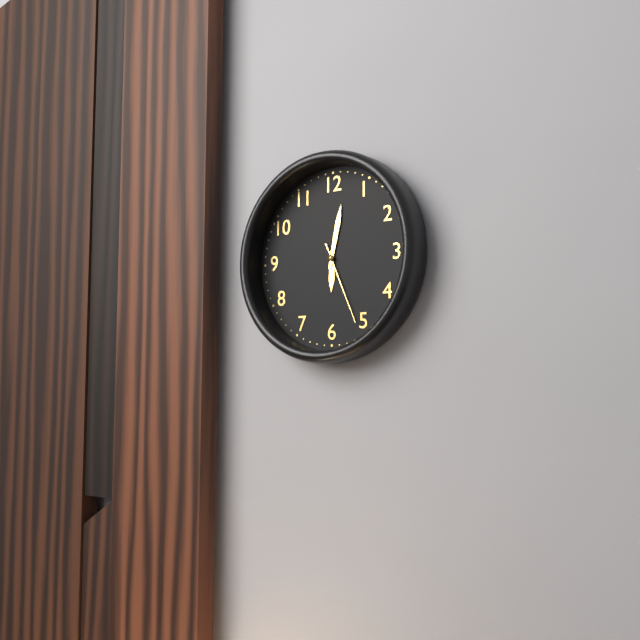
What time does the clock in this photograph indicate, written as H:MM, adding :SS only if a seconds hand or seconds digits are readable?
6:02:26
